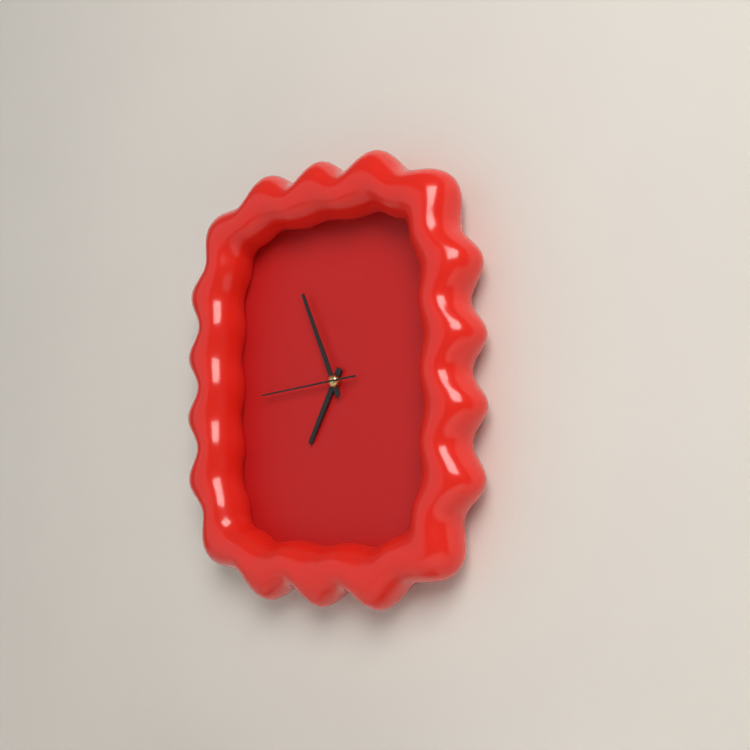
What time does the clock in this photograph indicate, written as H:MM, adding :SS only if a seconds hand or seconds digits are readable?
6:56:44
